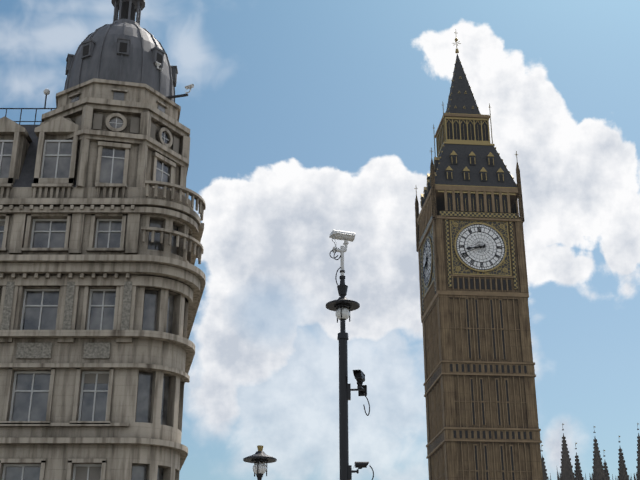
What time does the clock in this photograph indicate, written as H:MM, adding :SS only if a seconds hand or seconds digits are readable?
8:41
